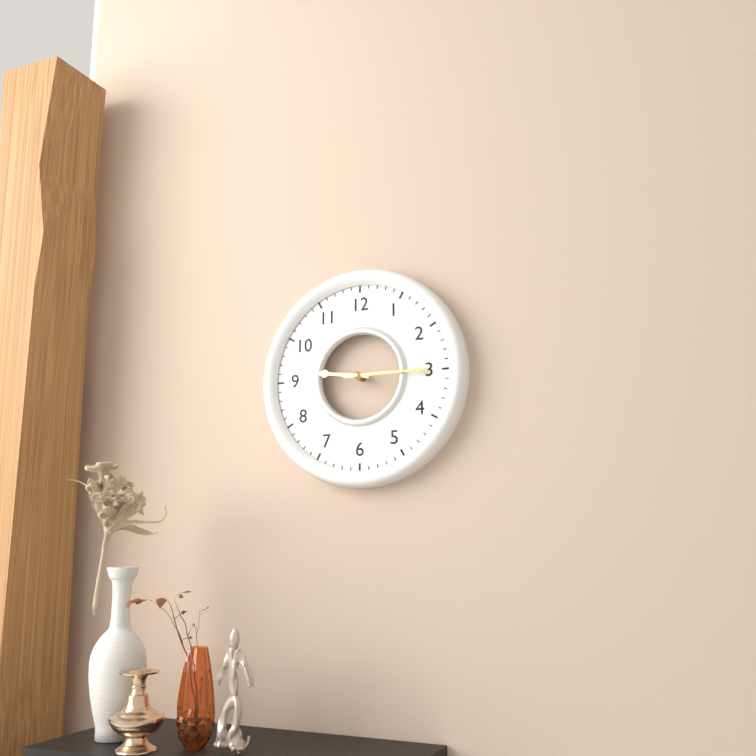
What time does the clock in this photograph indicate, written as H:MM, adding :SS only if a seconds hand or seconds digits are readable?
9:15
